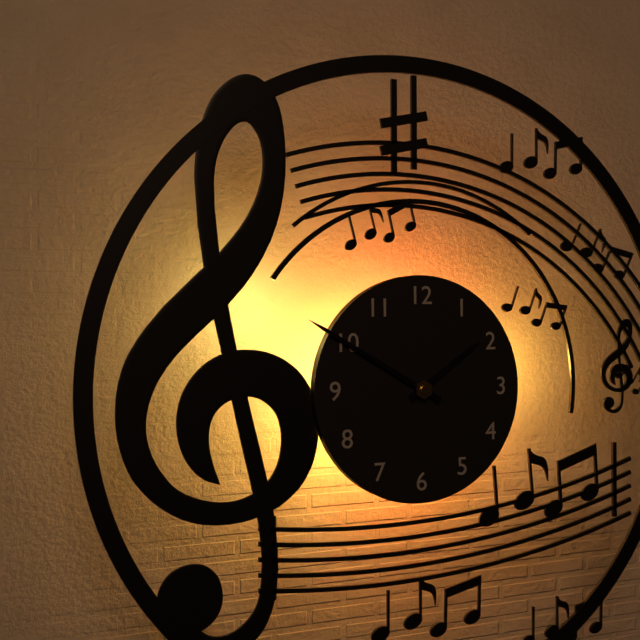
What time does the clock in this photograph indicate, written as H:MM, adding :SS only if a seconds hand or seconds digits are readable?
1:50
